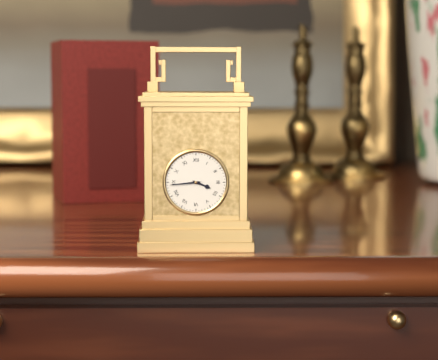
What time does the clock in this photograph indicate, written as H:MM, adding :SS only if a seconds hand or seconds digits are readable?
3:44
